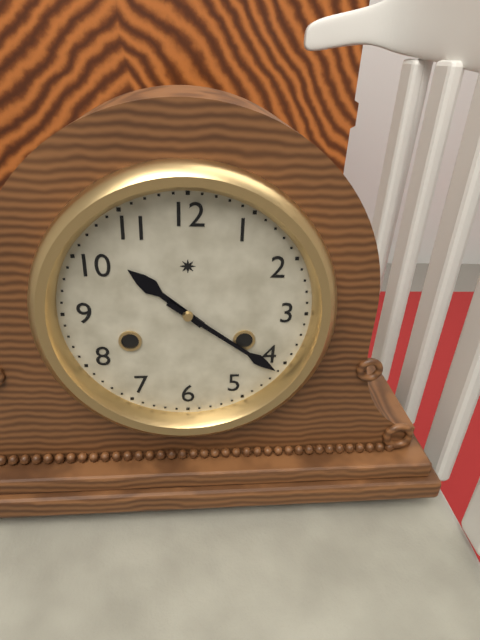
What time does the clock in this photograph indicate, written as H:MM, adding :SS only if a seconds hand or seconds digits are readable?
10:21
